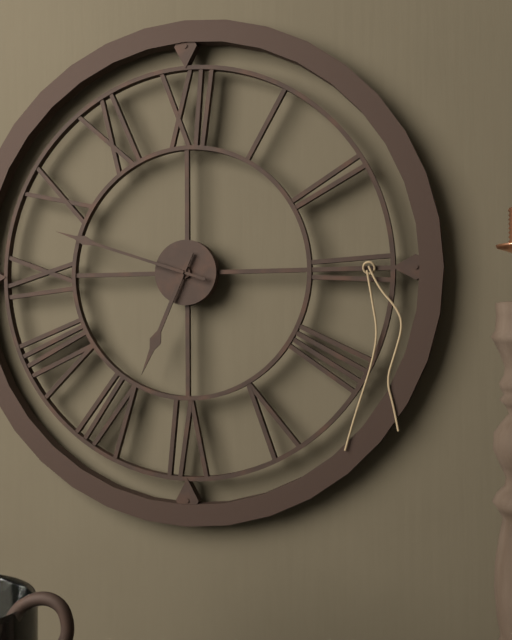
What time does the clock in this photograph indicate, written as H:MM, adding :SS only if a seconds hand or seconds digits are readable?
6:48
